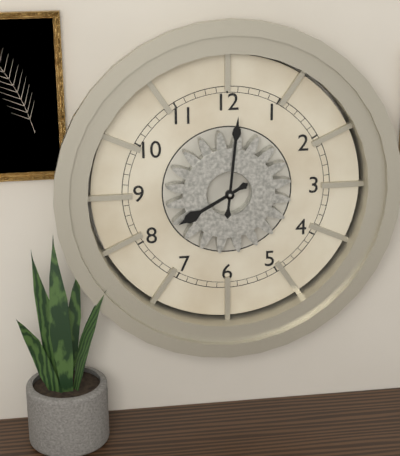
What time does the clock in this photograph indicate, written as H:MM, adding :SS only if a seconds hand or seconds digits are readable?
8:01
